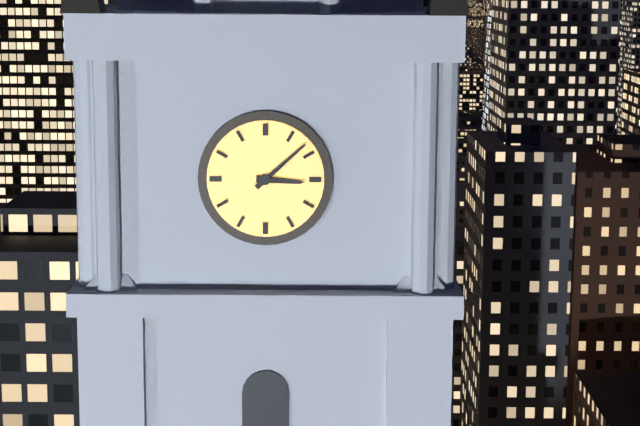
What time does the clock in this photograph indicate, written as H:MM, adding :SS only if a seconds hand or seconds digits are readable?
3:08
